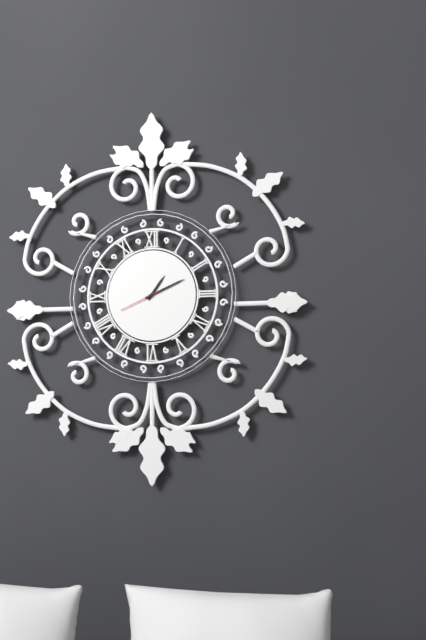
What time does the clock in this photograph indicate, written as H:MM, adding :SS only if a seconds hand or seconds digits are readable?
1:11
